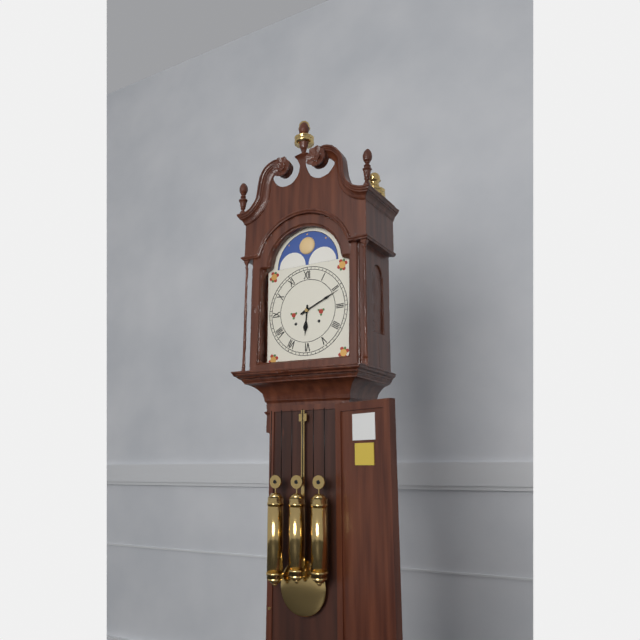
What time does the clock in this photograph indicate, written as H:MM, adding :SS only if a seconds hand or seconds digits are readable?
6:11
